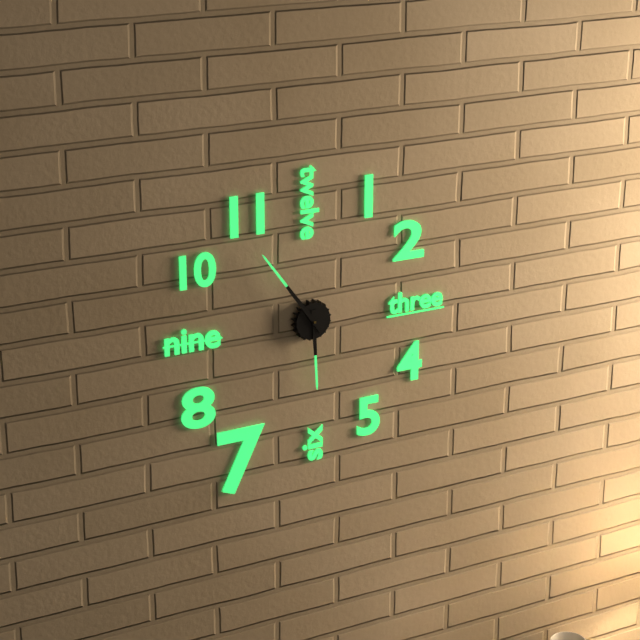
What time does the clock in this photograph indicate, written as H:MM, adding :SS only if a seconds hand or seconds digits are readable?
5:54
